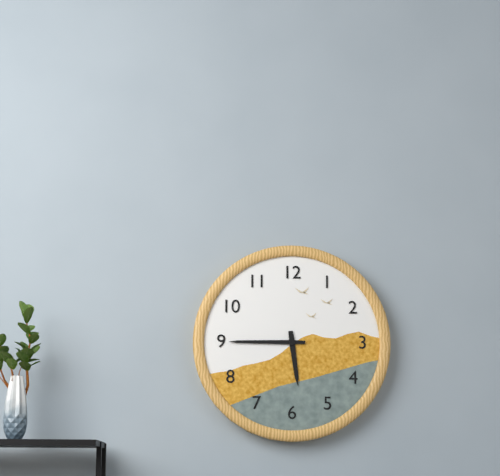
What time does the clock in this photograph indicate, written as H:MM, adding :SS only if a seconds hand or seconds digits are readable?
5:45
